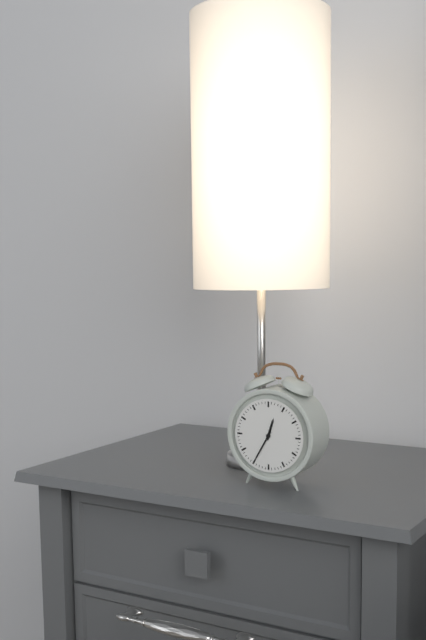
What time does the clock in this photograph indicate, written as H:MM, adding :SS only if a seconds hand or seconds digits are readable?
12:35
